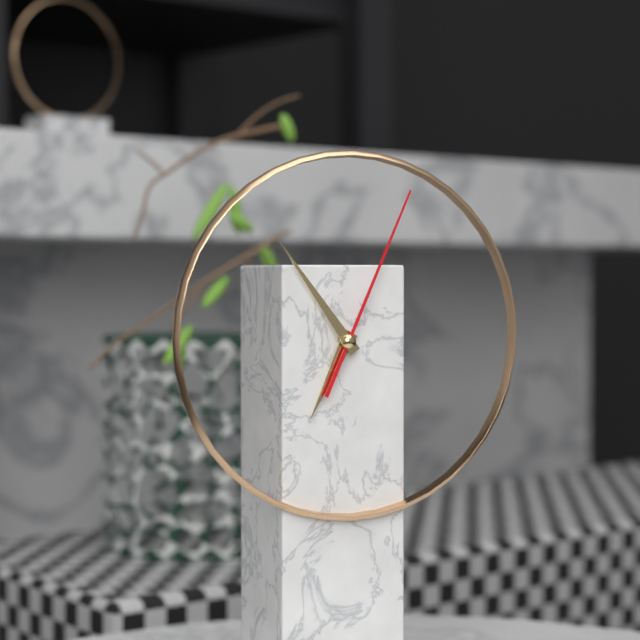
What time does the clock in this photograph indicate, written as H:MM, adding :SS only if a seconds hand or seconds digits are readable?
6:54:04
